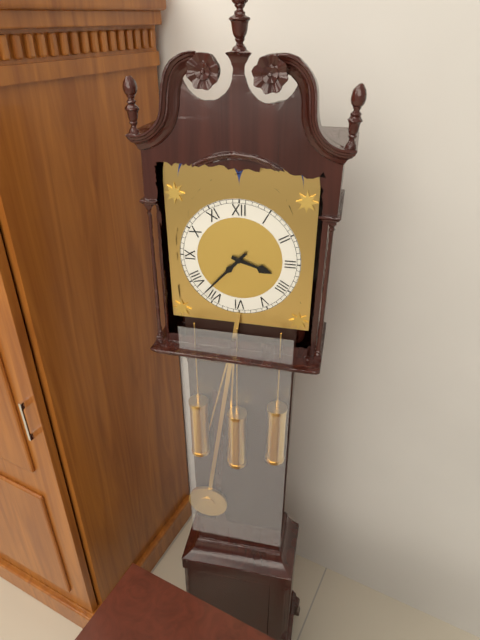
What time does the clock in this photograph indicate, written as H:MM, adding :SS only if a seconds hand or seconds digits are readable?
3:37
